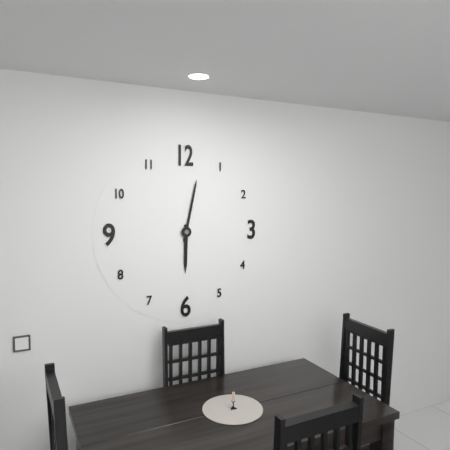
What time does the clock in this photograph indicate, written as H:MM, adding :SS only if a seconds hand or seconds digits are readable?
6:02
